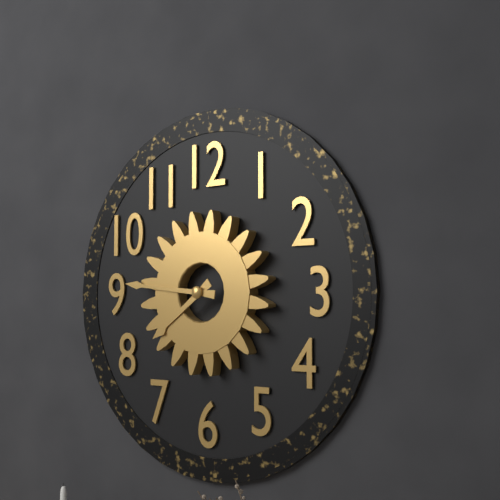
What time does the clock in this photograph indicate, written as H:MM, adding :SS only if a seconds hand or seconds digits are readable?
7:46
